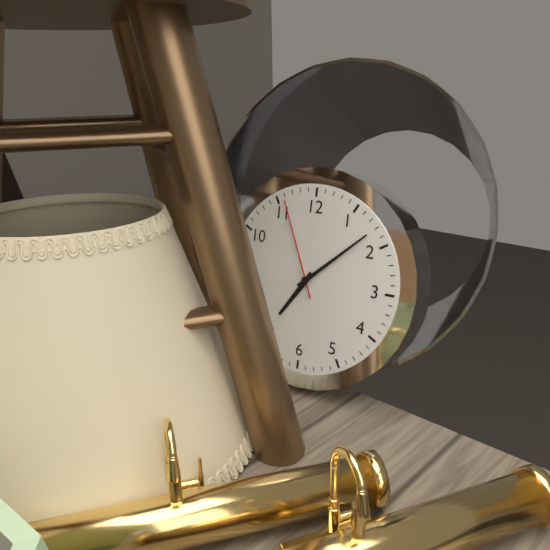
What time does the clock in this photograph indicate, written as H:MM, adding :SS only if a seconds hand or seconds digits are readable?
7:08:56
